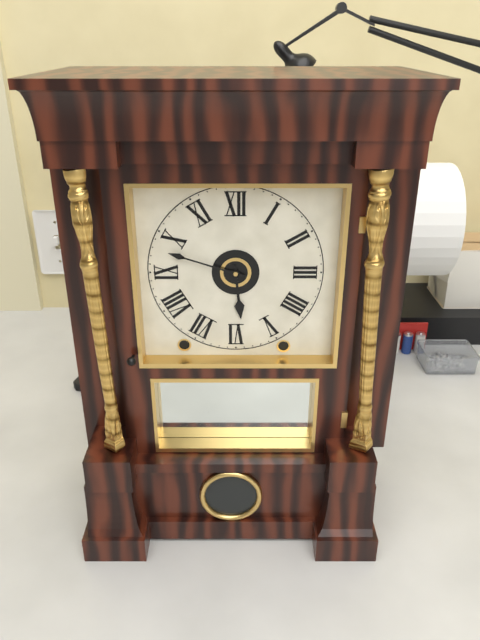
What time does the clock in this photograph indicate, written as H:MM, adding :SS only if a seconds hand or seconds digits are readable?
5:48
